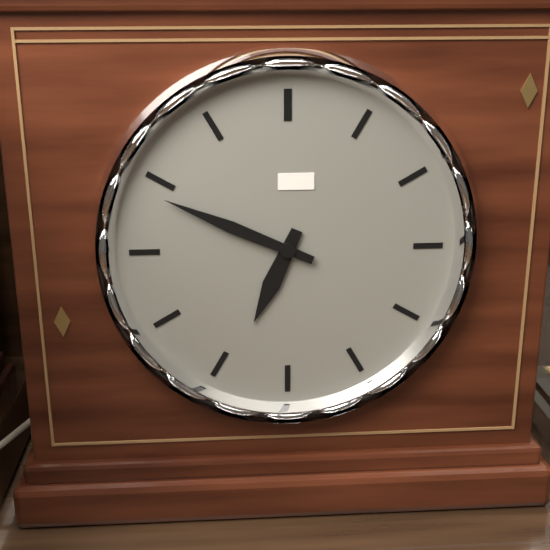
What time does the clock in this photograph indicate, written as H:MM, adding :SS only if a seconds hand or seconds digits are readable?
6:49
